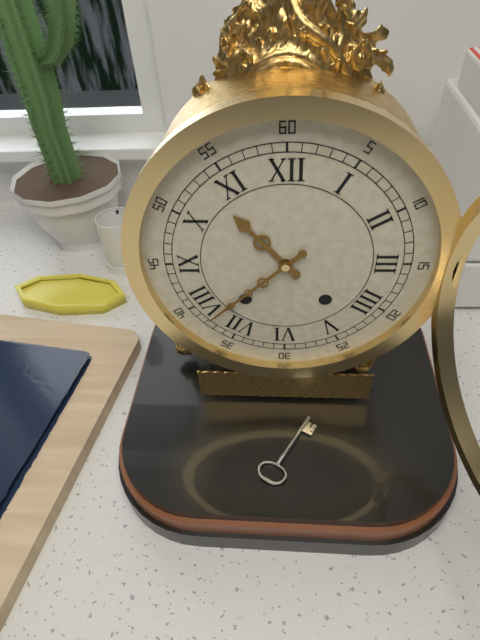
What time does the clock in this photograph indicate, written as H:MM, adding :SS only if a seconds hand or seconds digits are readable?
10:38
